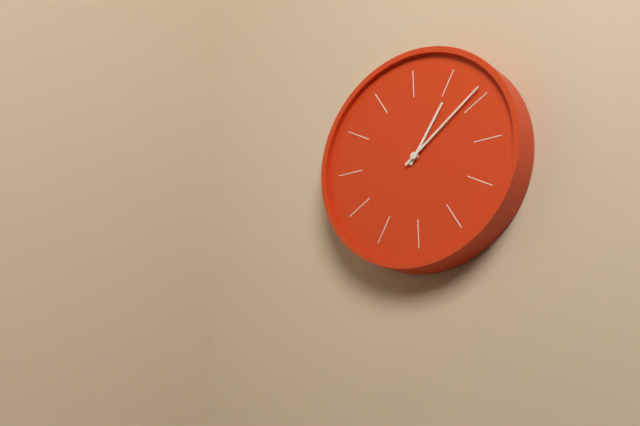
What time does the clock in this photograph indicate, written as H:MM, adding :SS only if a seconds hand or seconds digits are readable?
1:09
